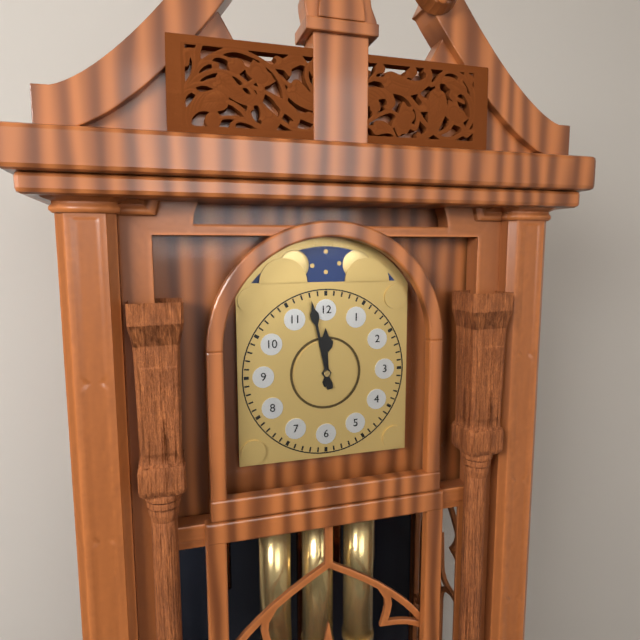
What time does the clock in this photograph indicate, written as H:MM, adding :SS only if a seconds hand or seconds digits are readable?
11:58
